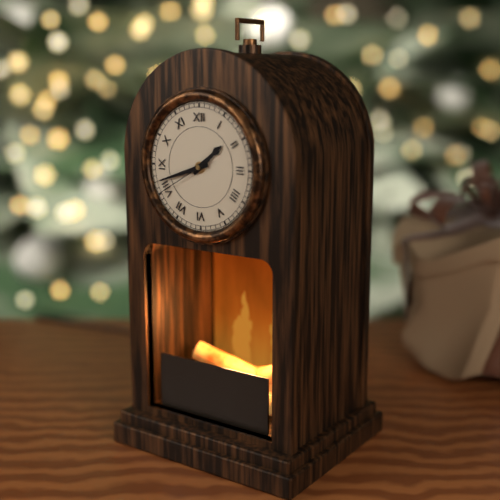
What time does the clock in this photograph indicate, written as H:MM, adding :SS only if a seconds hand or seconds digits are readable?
1:42:40
